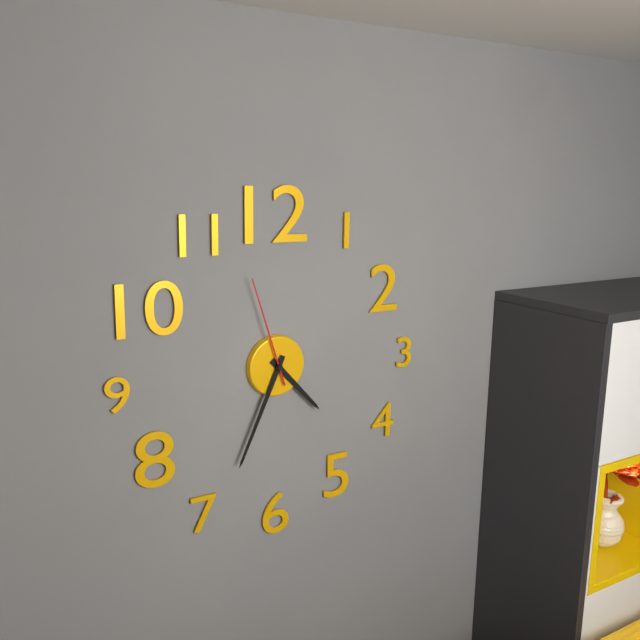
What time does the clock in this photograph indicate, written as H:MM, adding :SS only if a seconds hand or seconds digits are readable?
4:34:57
